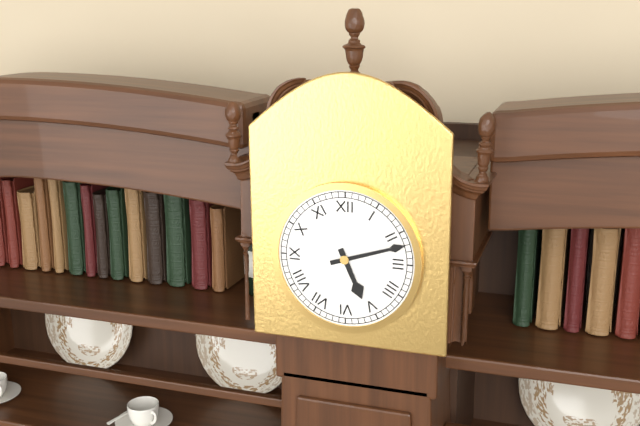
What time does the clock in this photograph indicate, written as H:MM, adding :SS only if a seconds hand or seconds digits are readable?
5:12
